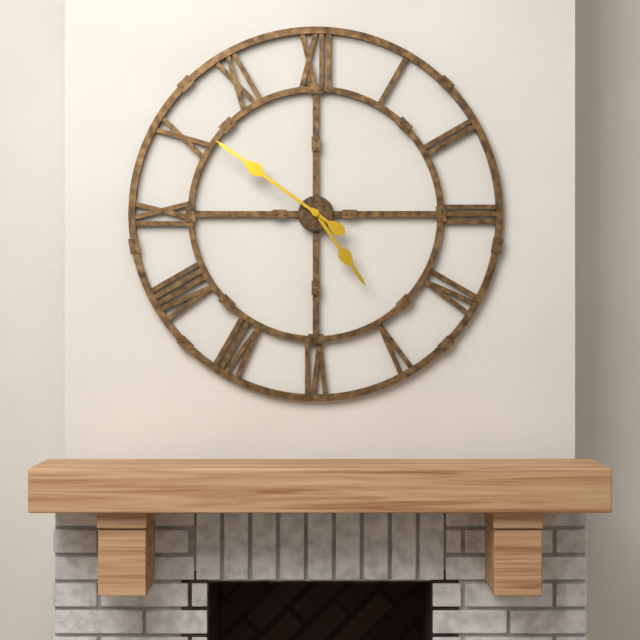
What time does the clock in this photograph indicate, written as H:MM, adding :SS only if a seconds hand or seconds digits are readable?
4:51
